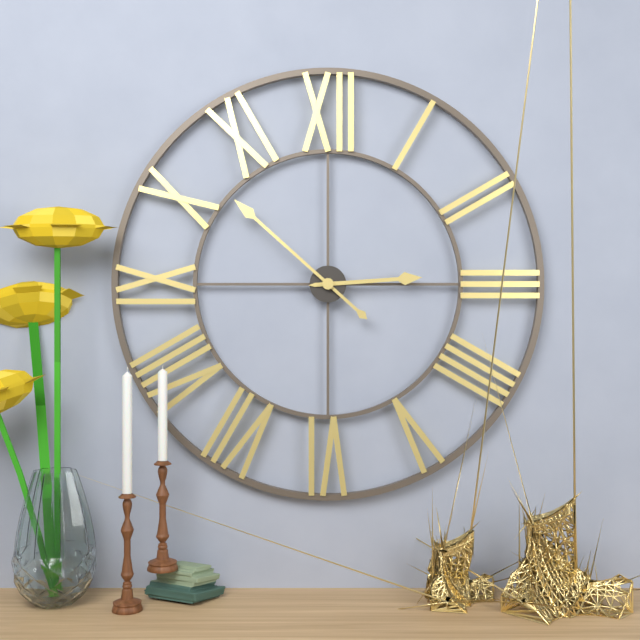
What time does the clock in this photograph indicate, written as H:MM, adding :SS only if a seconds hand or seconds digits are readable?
2:52
